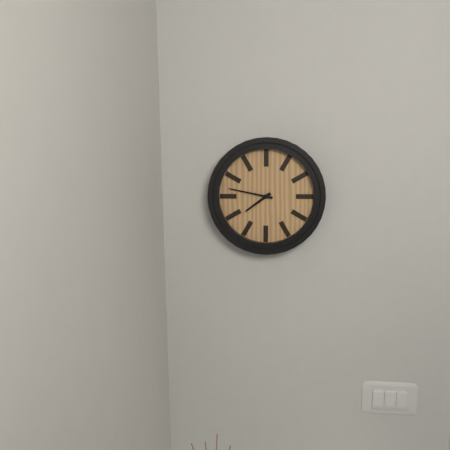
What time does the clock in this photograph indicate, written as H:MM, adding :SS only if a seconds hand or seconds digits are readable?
7:47
